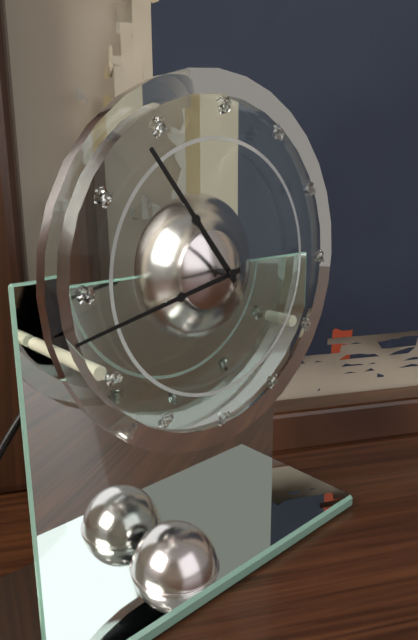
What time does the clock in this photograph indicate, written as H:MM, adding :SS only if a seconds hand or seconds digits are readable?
10:43
